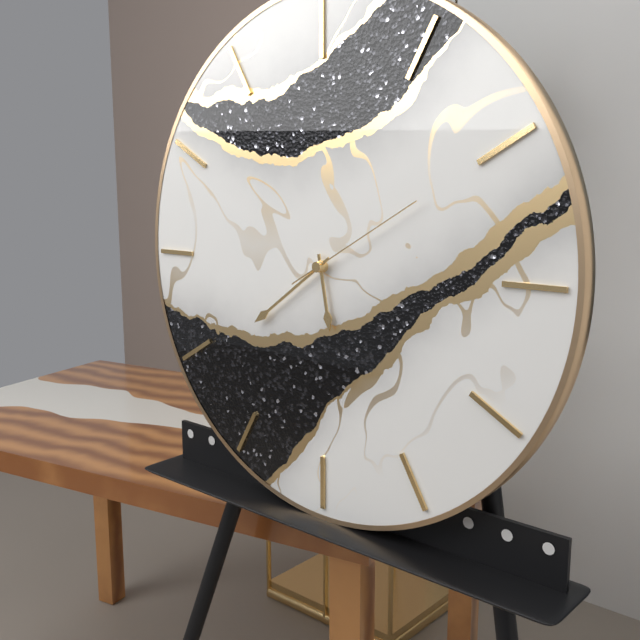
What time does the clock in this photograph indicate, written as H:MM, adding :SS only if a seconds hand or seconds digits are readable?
5:39:10
